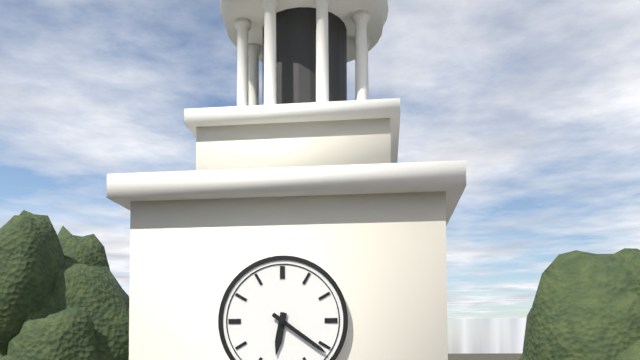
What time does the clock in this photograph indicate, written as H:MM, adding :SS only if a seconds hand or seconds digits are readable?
6:21
